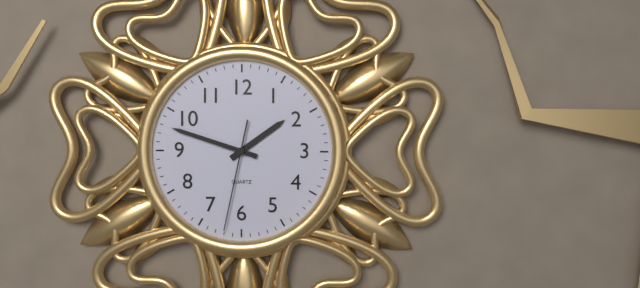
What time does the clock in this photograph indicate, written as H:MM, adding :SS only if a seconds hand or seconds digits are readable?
1:48:32
